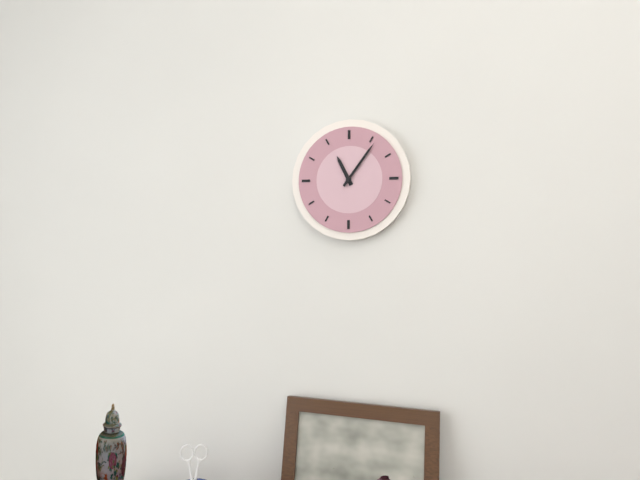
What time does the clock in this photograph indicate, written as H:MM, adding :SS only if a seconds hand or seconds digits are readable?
11:06
